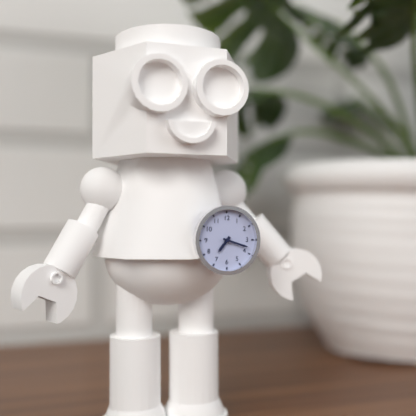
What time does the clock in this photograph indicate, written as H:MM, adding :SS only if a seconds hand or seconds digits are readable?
7:18
